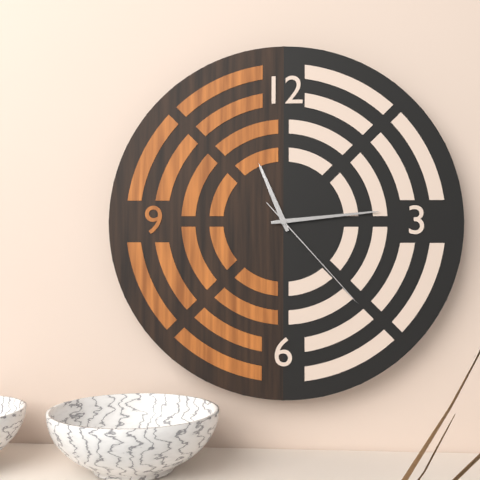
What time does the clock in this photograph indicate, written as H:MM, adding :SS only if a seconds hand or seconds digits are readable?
11:14:23
